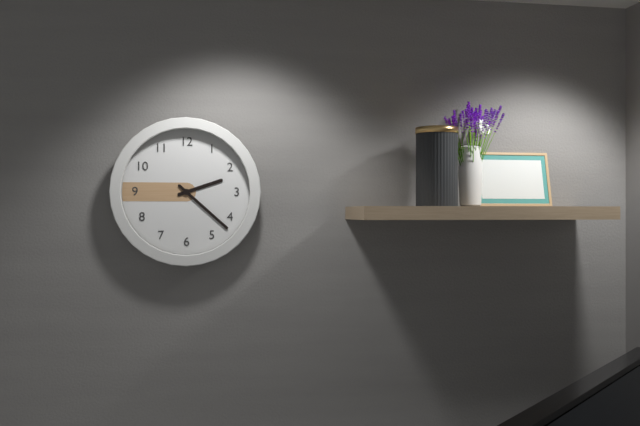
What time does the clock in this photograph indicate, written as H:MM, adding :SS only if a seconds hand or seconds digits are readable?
2:22
